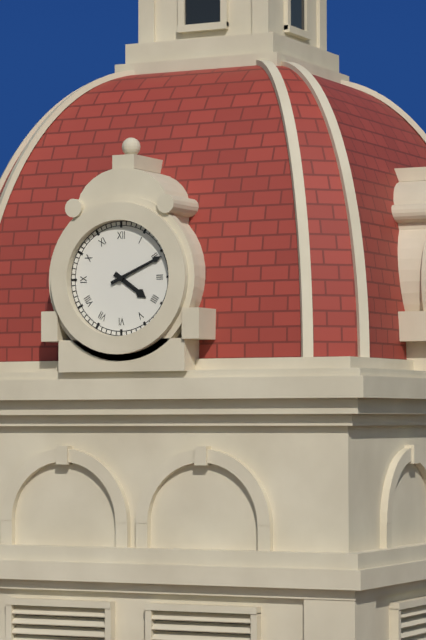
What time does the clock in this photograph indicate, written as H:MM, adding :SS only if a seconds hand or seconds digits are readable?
4:11
